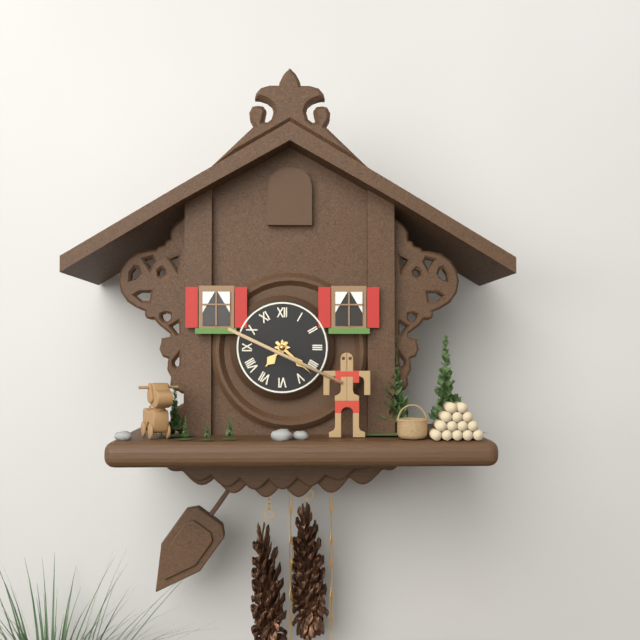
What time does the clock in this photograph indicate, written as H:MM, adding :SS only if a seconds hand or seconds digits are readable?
7:22
